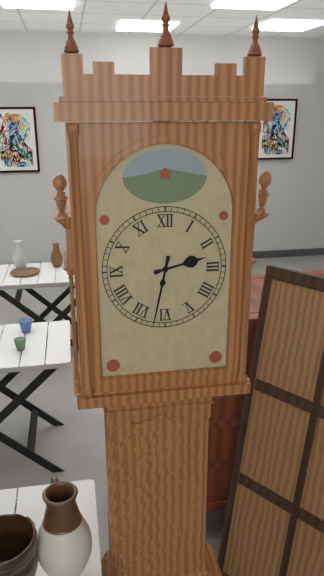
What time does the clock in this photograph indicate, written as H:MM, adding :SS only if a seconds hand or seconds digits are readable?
2:32
